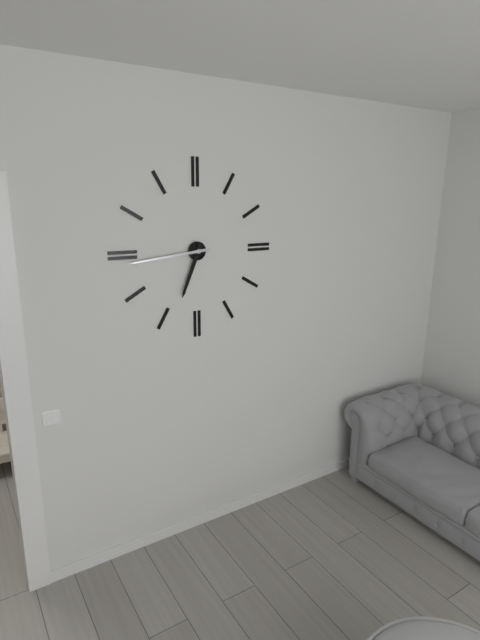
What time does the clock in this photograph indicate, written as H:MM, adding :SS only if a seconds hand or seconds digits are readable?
6:44
